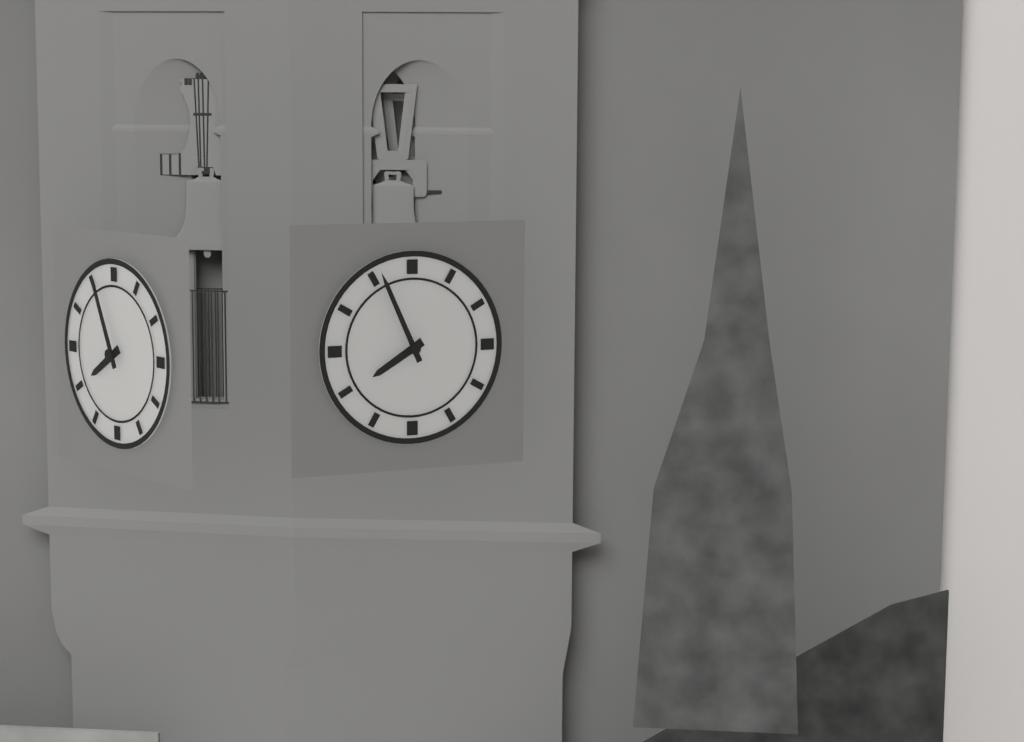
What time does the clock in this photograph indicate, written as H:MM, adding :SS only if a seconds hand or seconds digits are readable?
7:56
